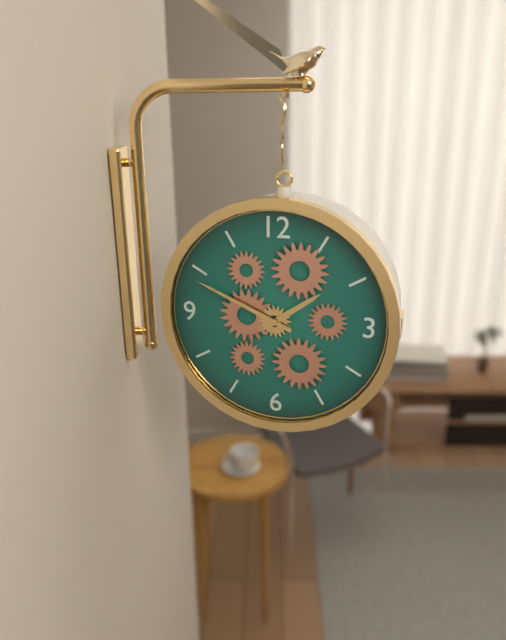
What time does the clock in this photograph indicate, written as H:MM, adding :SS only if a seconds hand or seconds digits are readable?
1:49
